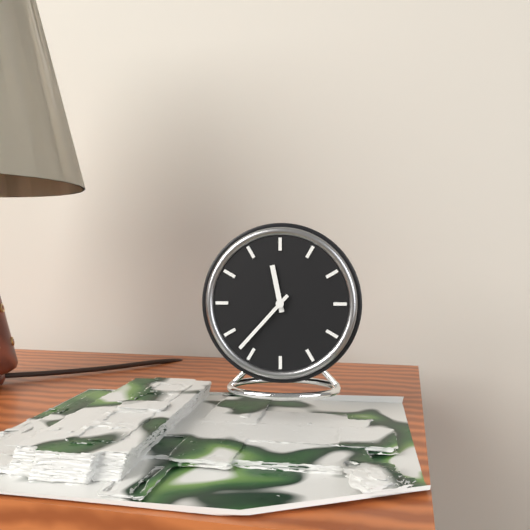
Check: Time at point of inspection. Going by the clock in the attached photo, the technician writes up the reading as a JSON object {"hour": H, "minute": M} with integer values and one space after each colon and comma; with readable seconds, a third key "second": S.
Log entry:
{"hour": 11, "minute": 37}
